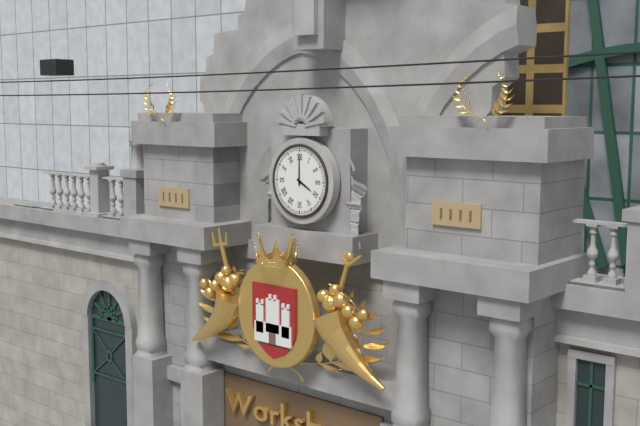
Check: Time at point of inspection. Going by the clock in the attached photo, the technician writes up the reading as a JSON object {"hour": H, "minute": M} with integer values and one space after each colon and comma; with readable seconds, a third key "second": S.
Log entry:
{"hour": 4, "minute": 0}
